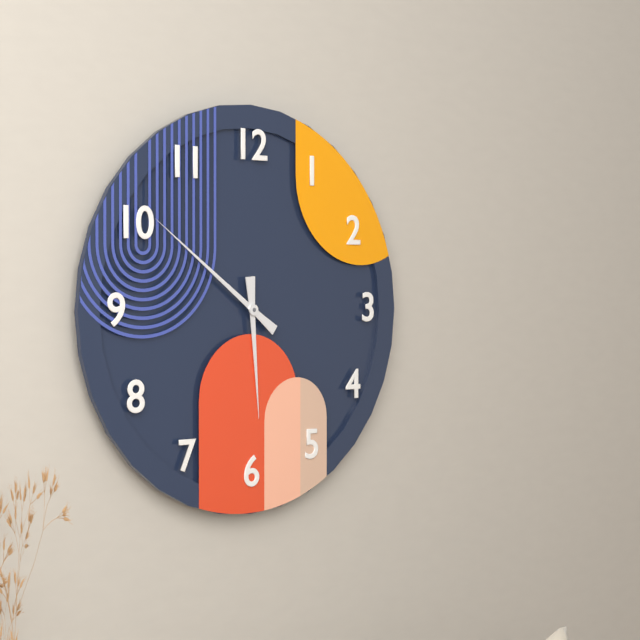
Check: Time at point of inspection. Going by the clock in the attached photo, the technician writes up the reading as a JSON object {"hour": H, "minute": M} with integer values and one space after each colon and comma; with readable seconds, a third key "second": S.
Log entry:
{"hour": 5, "minute": 51}
